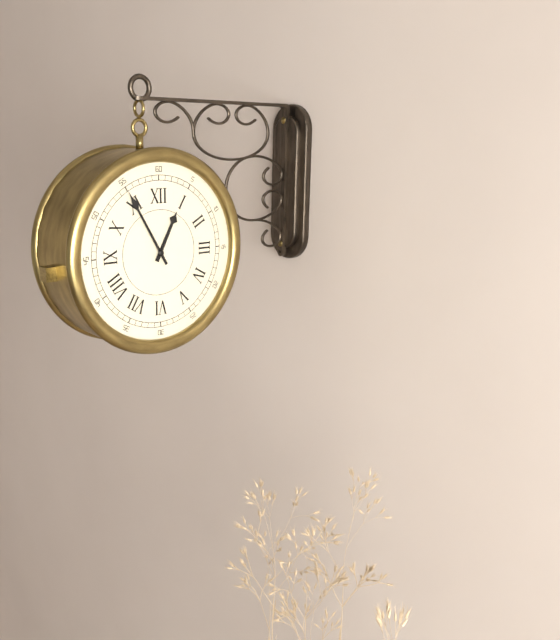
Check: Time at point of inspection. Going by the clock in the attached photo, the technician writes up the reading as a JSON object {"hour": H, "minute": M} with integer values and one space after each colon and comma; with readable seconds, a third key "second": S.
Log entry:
{"hour": 12, "minute": 55}
